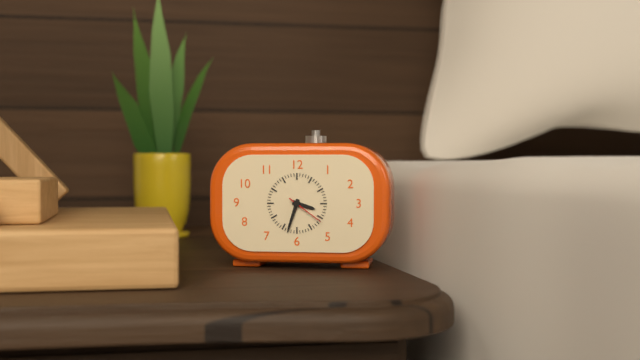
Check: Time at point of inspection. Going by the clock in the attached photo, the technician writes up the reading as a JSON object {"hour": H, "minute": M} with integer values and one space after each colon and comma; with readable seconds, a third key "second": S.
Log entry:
{"hour": 3, "minute": 33}
